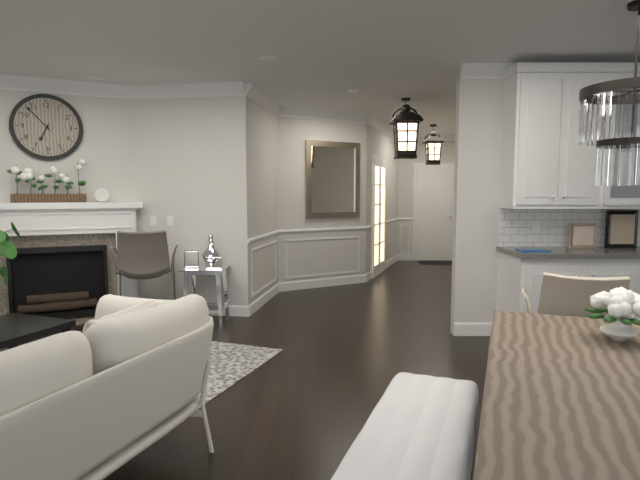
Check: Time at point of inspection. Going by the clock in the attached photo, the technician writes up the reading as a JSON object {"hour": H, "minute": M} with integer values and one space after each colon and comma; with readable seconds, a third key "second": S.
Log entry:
{"hour": 6, "minute": 53}
